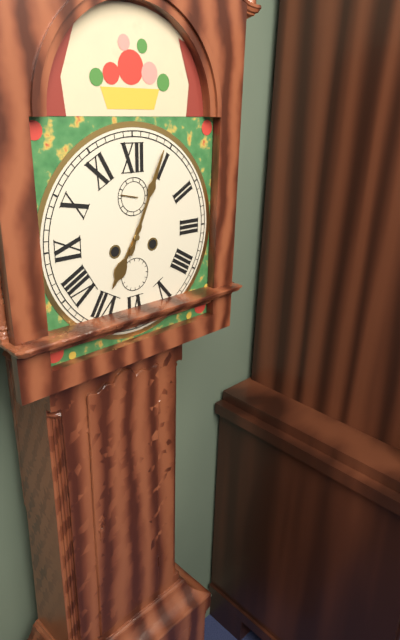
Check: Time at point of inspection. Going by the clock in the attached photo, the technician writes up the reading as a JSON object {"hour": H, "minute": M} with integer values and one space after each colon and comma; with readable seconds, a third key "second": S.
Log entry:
{"hour": 7, "minute": 4}
